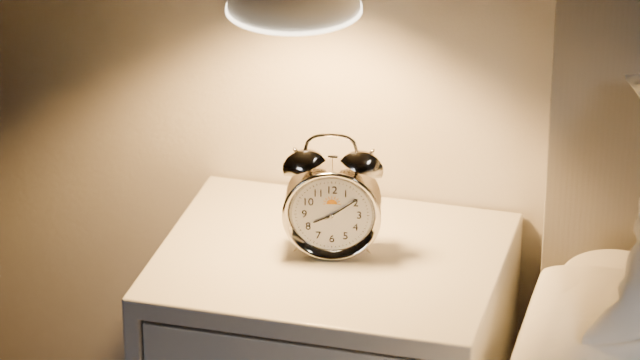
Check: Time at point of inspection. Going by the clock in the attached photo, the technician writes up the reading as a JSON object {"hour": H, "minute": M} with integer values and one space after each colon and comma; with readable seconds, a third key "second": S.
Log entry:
{"hour": 8, "minute": 9}
